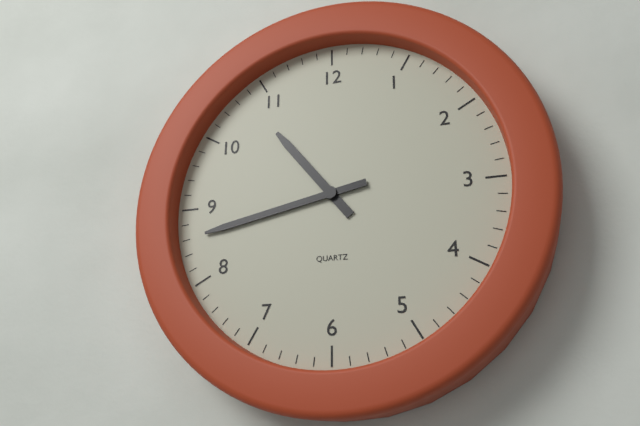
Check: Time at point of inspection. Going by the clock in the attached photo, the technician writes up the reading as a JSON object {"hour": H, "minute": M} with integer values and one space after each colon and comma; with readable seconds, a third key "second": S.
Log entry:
{"hour": 10, "minute": 43}
